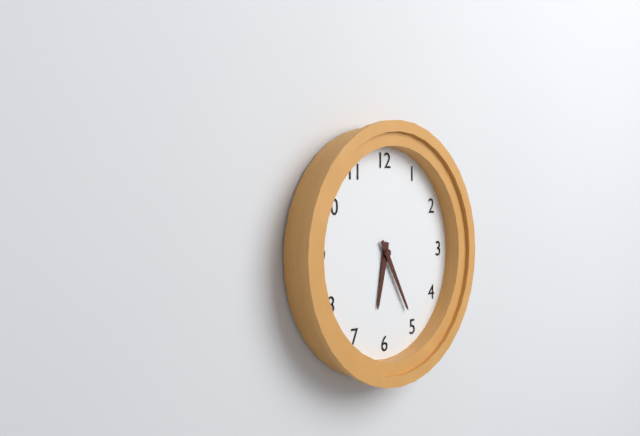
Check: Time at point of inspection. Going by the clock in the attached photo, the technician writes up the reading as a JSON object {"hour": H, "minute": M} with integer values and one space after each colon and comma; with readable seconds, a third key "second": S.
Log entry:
{"hour": 6, "minute": 25}
